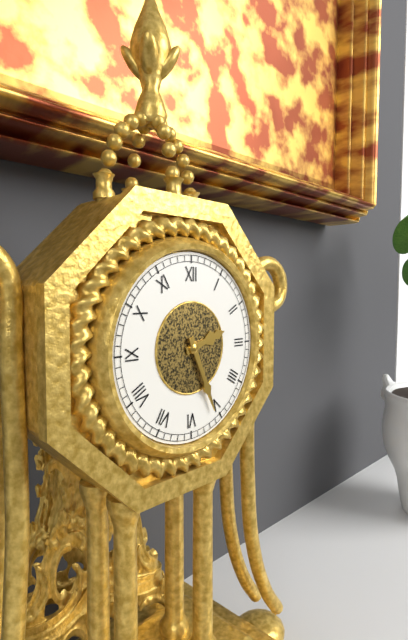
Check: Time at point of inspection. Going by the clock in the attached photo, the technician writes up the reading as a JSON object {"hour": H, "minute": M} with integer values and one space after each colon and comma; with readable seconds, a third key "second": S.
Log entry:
{"hour": 2, "minute": 26}
